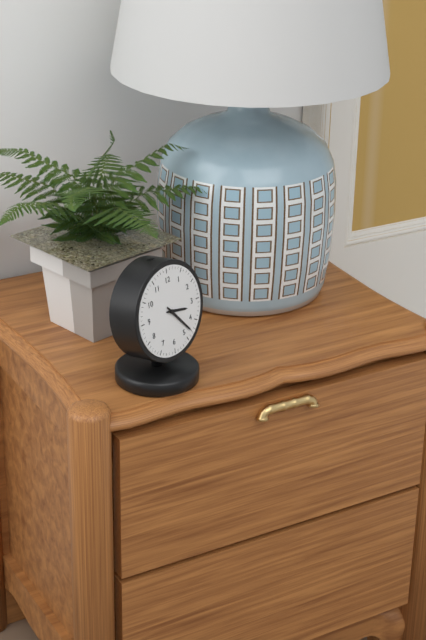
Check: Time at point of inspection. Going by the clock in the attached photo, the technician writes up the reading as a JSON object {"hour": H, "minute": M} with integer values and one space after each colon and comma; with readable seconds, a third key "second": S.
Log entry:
{"hour": 3, "minute": 23}
